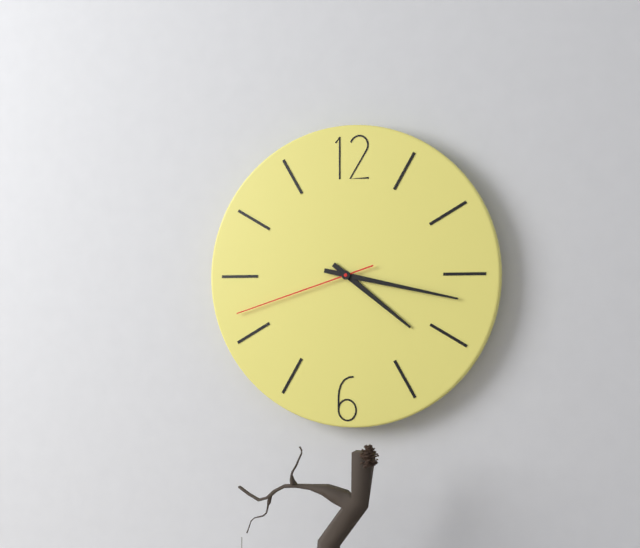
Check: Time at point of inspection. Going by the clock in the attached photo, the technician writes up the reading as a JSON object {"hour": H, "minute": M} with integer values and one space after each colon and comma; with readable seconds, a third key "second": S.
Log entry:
{"hour": 4, "minute": 17, "second": 42}
